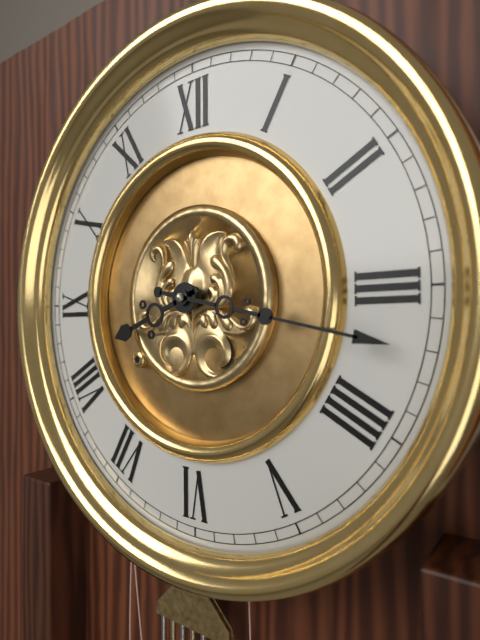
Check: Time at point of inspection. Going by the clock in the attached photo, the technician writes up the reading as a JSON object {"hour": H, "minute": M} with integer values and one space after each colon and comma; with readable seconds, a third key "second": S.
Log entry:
{"hour": 8, "minute": 17}
